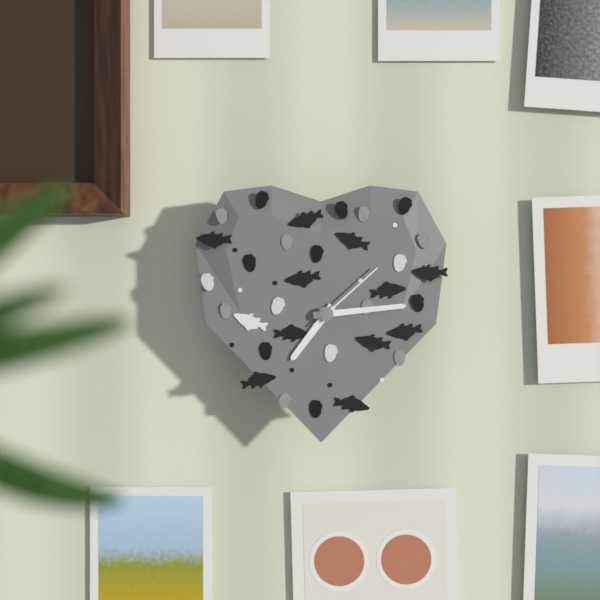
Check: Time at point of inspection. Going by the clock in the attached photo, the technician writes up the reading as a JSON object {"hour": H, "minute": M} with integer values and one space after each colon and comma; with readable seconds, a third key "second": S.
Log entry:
{"hour": 7, "minute": 14, "second": 8}
